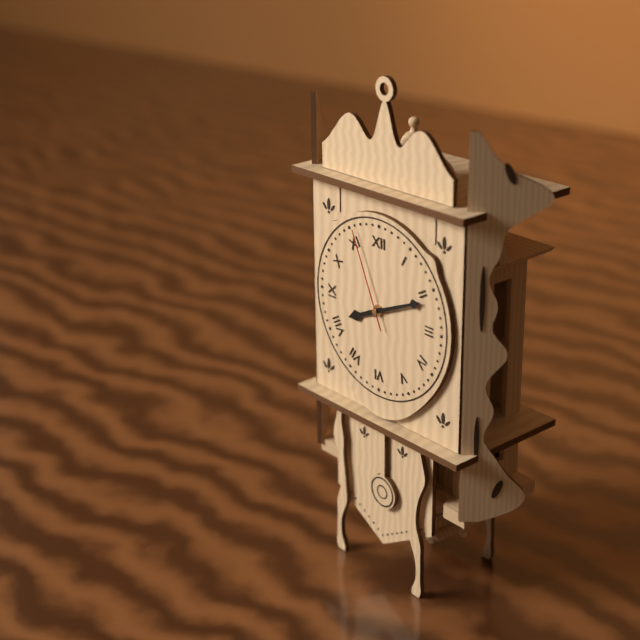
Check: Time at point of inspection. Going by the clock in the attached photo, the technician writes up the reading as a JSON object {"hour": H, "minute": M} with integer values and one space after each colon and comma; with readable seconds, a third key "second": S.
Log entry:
{"hour": 8, "minute": 11, "second": 56}
